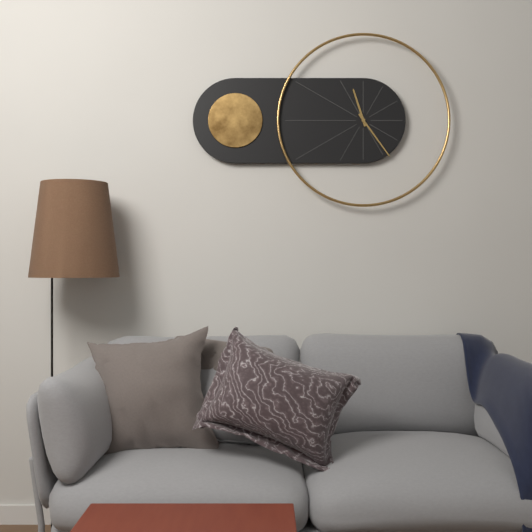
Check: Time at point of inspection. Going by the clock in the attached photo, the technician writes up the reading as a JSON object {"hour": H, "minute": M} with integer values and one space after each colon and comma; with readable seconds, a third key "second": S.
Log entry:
{"hour": 11, "minute": 24}
